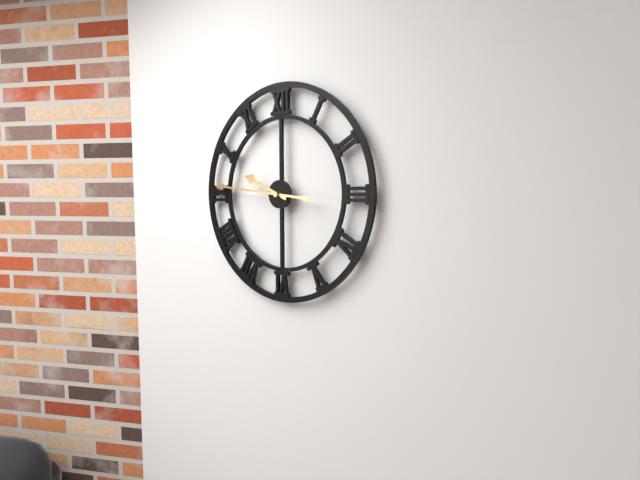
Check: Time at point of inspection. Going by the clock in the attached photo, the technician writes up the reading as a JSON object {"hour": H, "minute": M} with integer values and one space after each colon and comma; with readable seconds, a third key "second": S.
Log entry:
{"hour": 9, "minute": 46}
